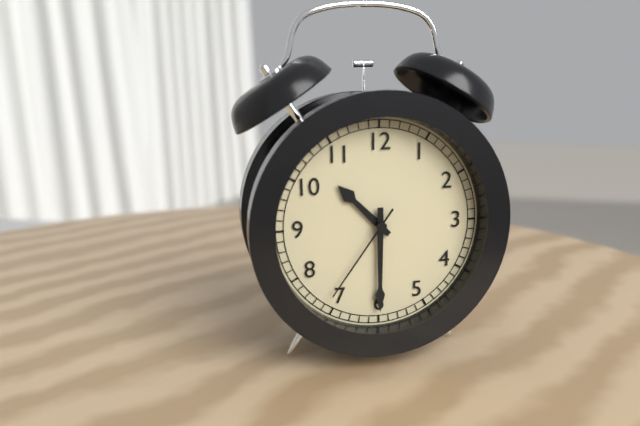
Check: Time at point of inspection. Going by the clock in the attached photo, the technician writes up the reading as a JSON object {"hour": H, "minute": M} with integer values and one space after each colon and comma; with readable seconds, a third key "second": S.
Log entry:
{"hour": 10, "minute": 30, "second": 36}
